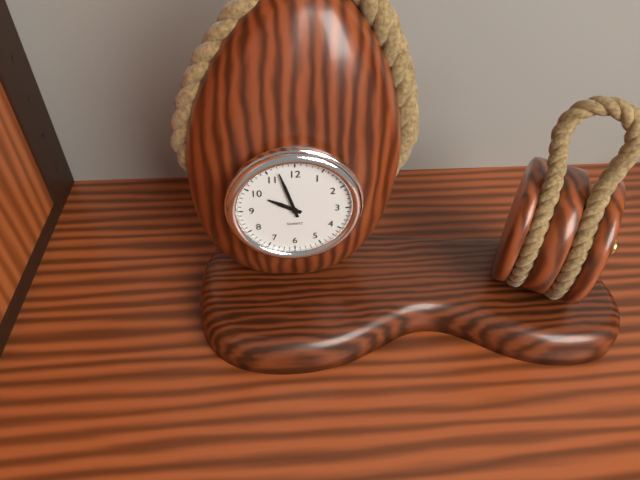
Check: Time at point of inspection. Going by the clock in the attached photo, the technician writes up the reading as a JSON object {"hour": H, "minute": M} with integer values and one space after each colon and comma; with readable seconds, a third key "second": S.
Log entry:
{"hour": 9, "minute": 57}
